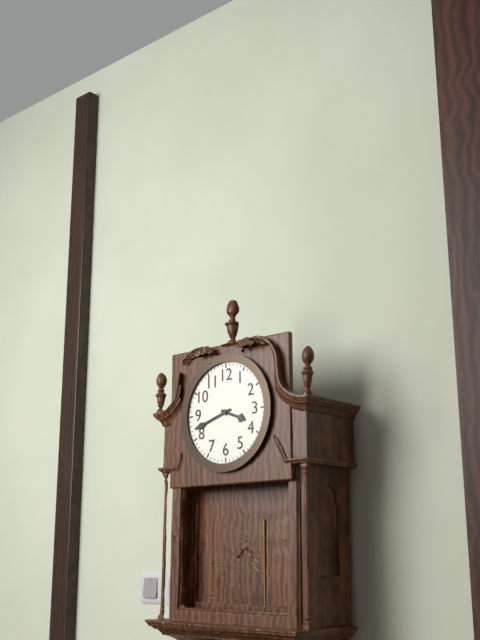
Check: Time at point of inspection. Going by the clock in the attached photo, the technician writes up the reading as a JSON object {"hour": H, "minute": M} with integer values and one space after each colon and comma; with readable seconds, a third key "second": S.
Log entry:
{"hour": 3, "minute": 42}
